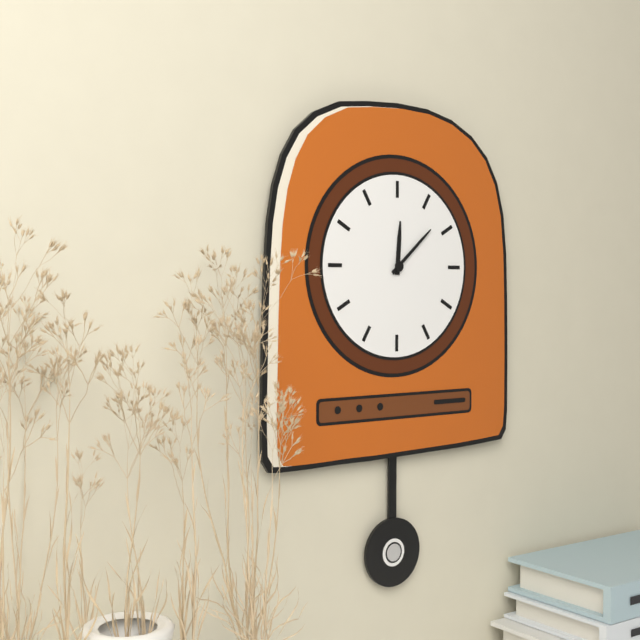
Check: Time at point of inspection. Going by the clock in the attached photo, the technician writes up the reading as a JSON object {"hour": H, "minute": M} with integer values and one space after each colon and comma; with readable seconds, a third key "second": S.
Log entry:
{"hour": 12, "minute": 8}
